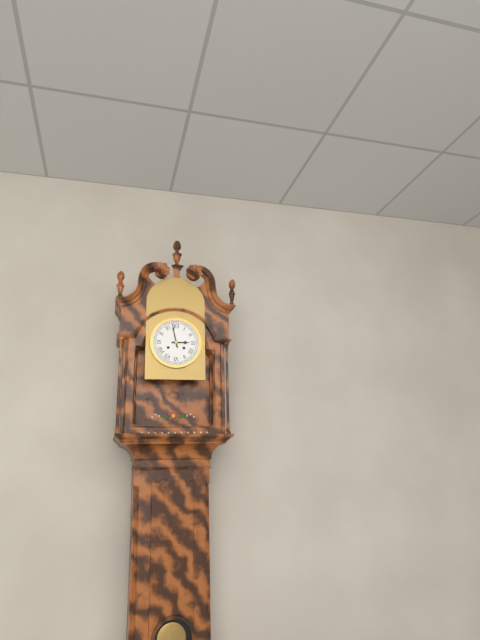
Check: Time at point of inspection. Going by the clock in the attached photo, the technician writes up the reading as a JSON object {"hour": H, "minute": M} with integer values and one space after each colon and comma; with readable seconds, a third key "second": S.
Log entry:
{"hour": 2, "minute": 58}
